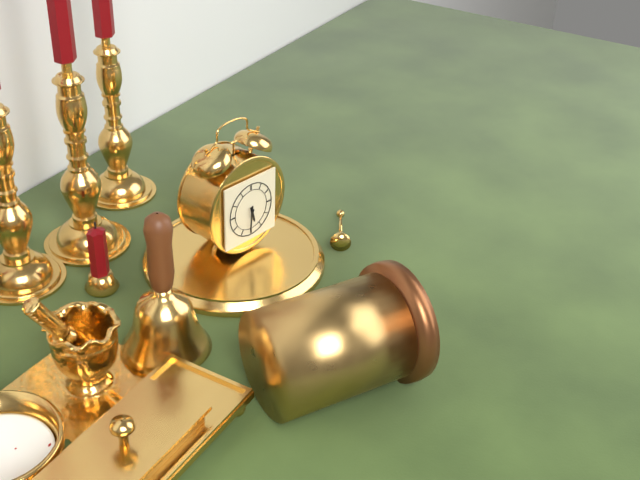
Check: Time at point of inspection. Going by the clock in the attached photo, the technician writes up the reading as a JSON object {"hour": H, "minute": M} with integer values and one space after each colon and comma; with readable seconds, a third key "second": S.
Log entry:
{"hour": 5, "minute": 31}
